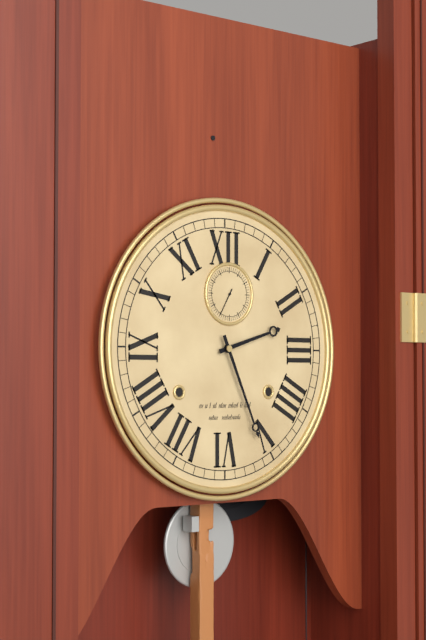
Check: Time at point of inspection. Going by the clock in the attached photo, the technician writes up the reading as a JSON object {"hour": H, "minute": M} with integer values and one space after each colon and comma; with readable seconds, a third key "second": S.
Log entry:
{"hour": 2, "minute": 26}
